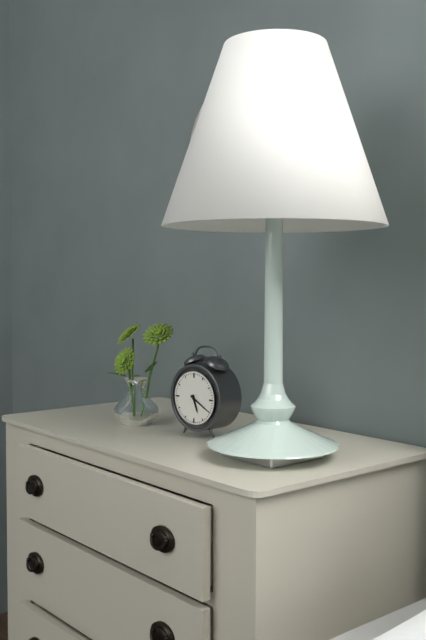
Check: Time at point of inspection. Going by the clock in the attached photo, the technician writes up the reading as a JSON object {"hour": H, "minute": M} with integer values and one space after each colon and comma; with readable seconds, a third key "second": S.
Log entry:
{"hour": 5, "minute": 20}
